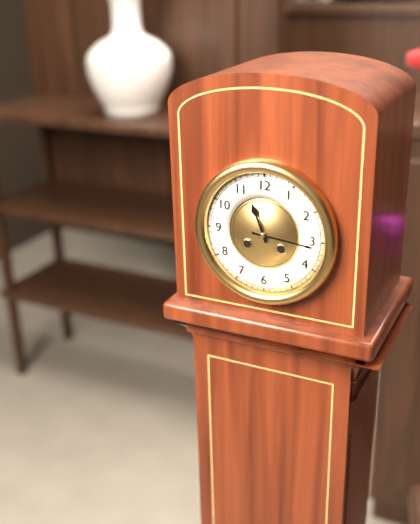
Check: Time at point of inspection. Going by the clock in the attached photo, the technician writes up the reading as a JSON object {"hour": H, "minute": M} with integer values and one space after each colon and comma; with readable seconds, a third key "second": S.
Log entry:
{"hour": 11, "minute": 16}
